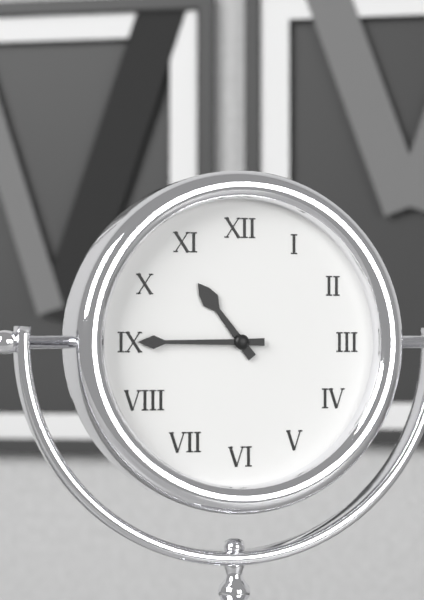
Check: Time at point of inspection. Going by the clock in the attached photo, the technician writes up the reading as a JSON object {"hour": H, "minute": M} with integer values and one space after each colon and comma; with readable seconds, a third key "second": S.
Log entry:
{"hour": 10, "minute": 45}
